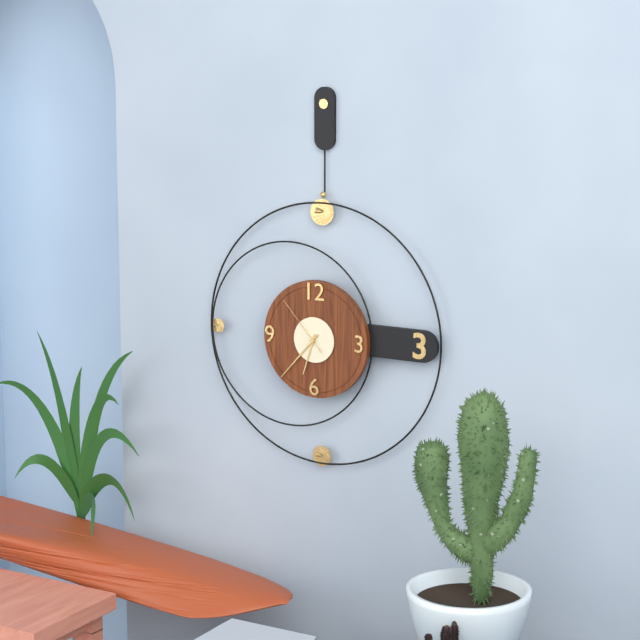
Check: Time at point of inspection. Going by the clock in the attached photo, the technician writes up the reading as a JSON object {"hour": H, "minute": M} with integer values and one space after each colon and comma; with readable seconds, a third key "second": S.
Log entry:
{"hour": 6, "minute": 37, "second": 53}
